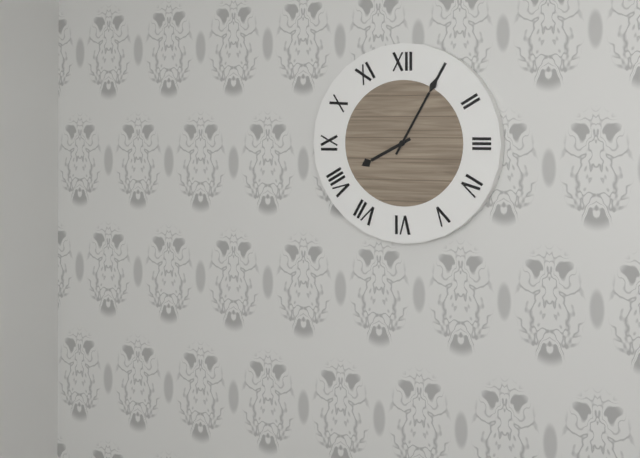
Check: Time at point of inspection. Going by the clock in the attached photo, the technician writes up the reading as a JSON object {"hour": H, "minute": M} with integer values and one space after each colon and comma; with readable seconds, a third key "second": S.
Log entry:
{"hour": 8, "minute": 5}
